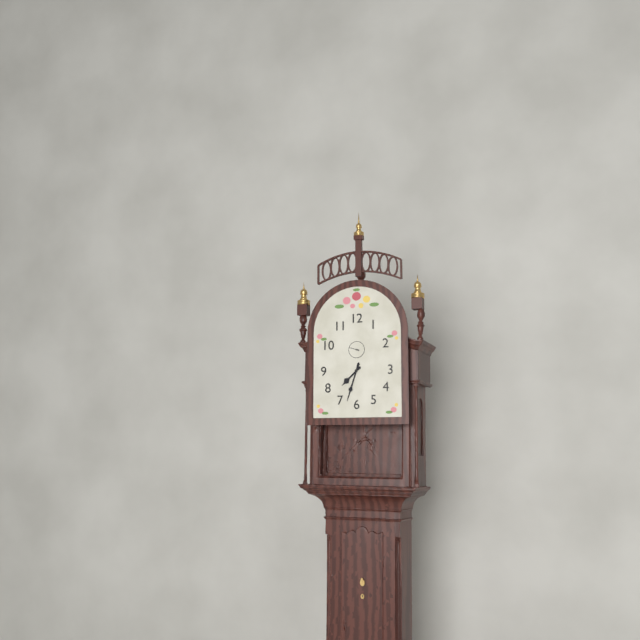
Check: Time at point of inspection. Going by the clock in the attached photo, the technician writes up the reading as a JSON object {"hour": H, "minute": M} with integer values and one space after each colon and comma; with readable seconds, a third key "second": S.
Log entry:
{"hour": 7, "minute": 33}
